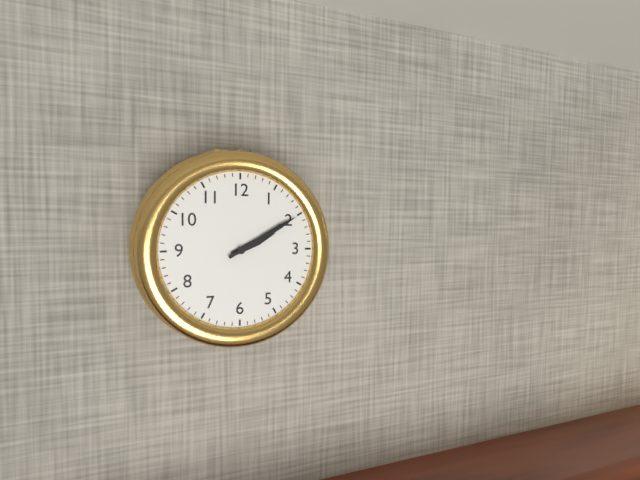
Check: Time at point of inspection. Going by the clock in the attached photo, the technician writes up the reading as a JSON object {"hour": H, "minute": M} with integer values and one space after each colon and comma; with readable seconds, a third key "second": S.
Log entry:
{"hour": 2, "minute": 10}
